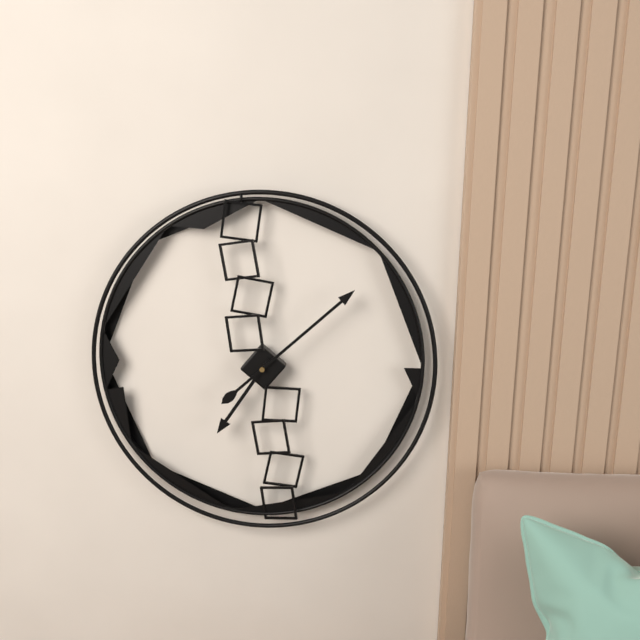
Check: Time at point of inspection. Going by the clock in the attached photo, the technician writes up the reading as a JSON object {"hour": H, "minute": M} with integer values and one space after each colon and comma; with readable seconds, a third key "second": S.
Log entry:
{"hour": 7, "minute": 8}
